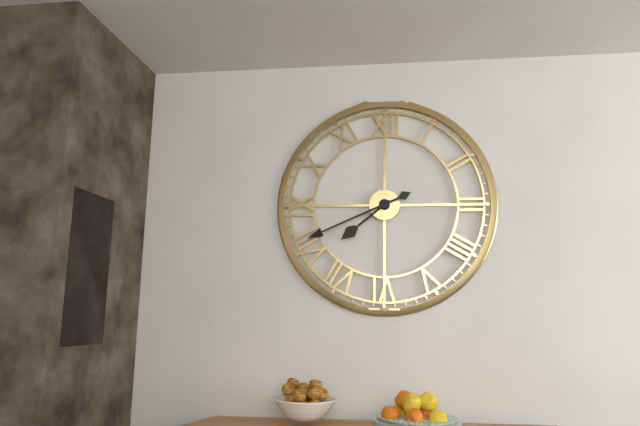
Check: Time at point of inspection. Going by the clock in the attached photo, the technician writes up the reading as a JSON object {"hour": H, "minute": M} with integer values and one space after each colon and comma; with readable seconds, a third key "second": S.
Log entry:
{"hour": 7, "minute": 41}
